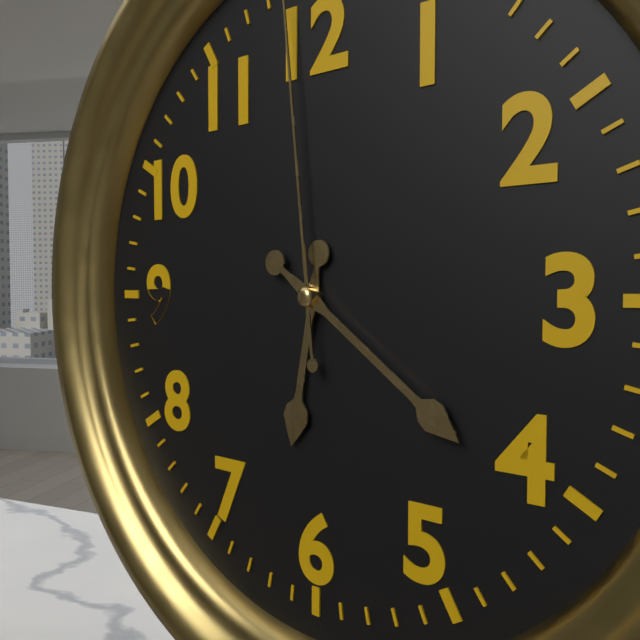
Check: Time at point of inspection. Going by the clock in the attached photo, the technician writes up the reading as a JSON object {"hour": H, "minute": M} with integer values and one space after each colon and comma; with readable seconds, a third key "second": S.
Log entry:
{"hour": 6, "minute": 21}
